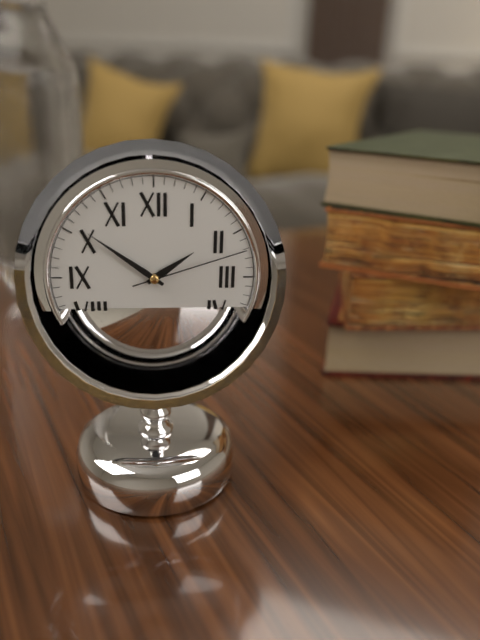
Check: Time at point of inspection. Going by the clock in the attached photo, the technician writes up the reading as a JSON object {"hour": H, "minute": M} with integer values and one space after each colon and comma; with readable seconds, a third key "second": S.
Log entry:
{"hour": 1, "minute": 51, "second": 12}
